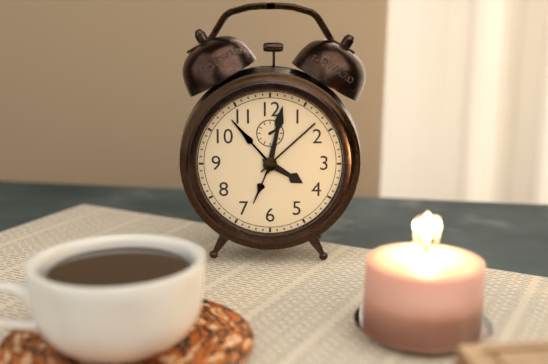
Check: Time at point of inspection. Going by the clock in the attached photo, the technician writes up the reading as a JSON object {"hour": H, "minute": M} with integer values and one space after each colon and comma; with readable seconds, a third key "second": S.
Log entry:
{"hour": 4, "minute": 2}
